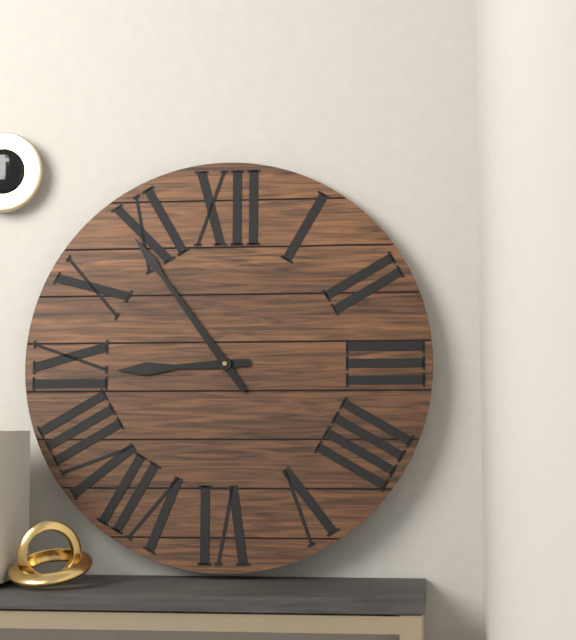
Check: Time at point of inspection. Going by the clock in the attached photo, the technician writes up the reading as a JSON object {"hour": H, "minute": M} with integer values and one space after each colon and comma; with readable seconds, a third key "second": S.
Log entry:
{"hour": 8, "minute": 54}
